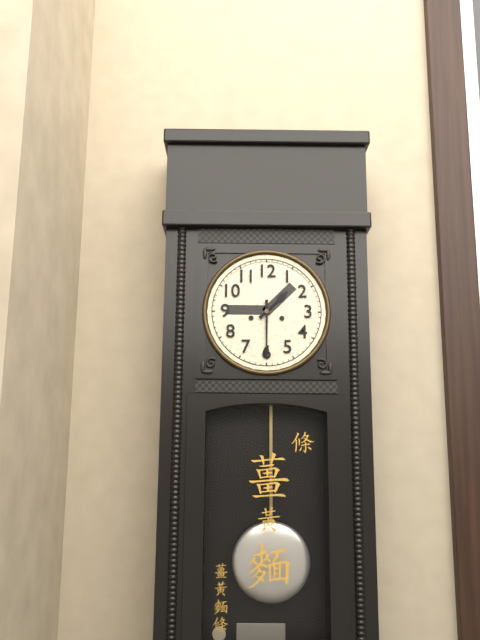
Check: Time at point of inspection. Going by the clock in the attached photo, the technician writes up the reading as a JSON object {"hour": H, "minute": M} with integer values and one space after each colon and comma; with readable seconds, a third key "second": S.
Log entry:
{"hour": 1, "minute": 30}
